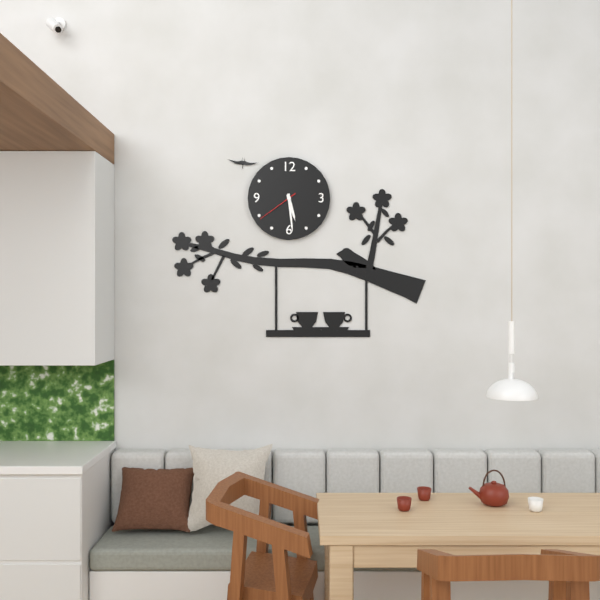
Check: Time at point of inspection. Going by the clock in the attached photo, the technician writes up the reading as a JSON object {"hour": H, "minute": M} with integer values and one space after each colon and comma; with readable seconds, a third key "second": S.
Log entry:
{"hour": 5, "minute": 29}
